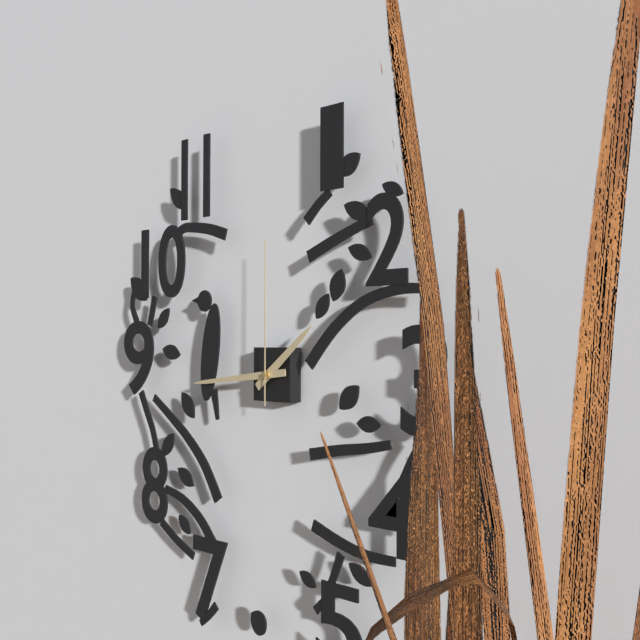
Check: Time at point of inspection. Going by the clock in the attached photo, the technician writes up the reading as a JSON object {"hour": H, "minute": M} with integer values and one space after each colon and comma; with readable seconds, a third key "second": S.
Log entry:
{"hour": 1, "minute": 44, "second": 0}
